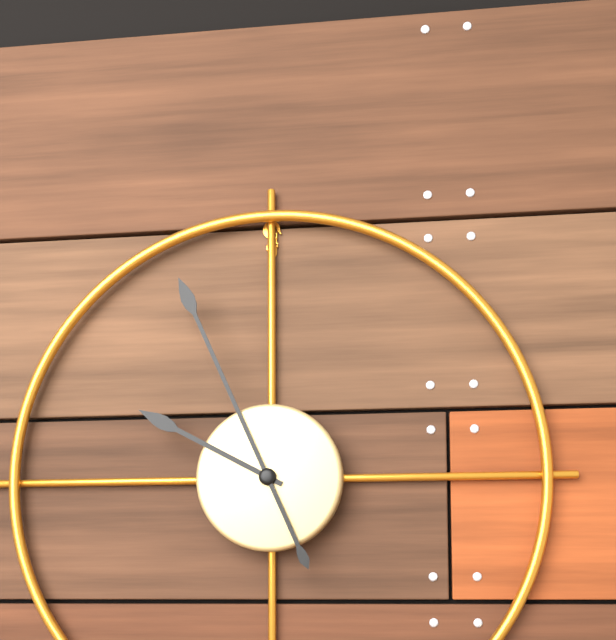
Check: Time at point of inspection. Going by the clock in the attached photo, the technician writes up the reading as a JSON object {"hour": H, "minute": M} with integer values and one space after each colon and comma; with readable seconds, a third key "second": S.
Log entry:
{"hour": 9, "minute": 56}
